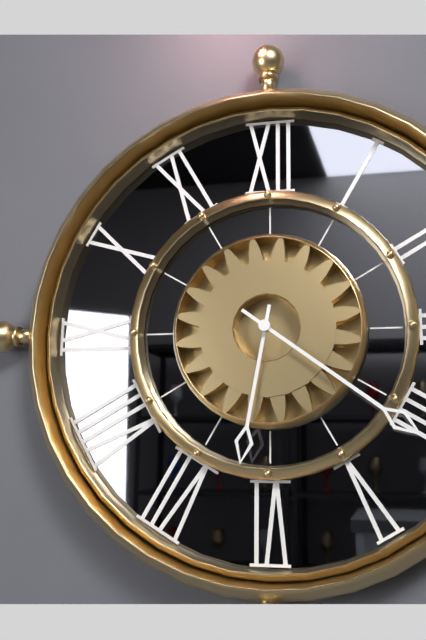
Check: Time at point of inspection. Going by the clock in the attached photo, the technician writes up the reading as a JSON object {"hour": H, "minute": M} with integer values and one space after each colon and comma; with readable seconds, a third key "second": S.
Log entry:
{"hour": 6, "minute": 21}
